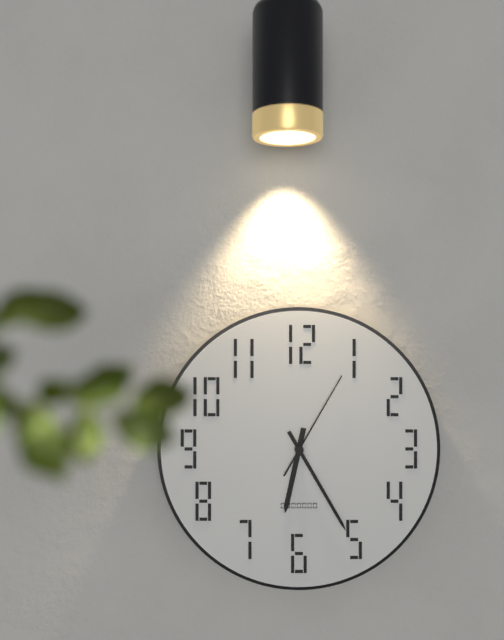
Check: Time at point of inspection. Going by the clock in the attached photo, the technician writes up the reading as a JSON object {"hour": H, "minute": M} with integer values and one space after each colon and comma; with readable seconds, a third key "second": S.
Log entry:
{"hour": 6, "minute": 25, "second": 5}
